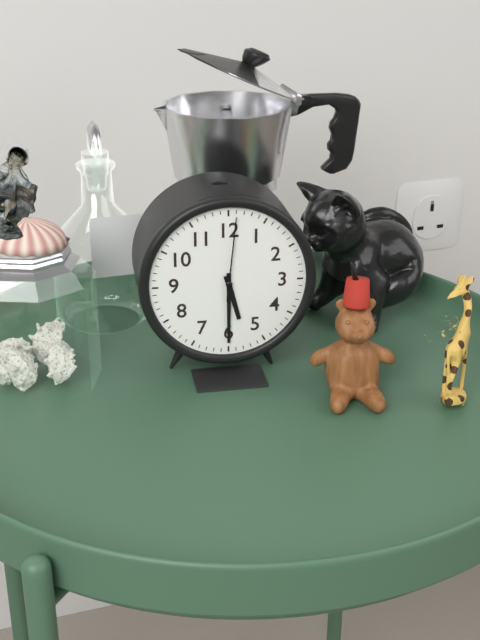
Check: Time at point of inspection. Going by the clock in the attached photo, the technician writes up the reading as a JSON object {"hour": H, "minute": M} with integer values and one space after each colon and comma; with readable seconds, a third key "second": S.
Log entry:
{"hour": 5, "minute": 30, "second": 1}
